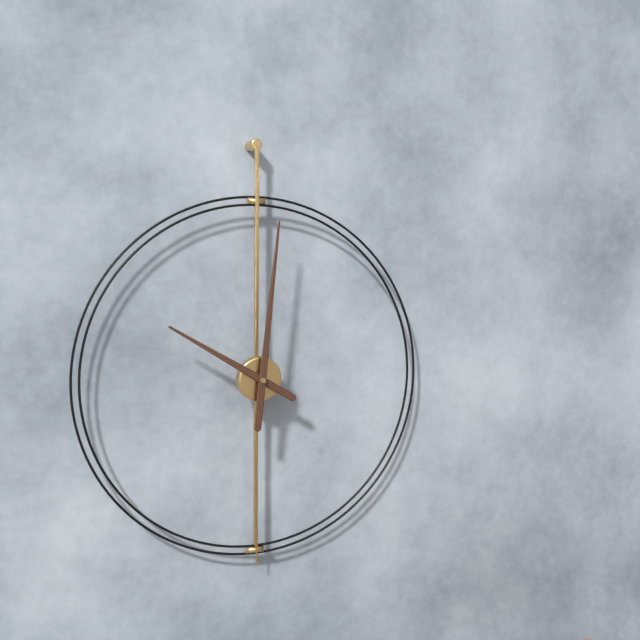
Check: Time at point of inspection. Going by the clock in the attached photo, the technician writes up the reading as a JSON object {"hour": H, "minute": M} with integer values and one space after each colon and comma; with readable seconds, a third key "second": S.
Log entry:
{"hour": 10, "minute": 1}
